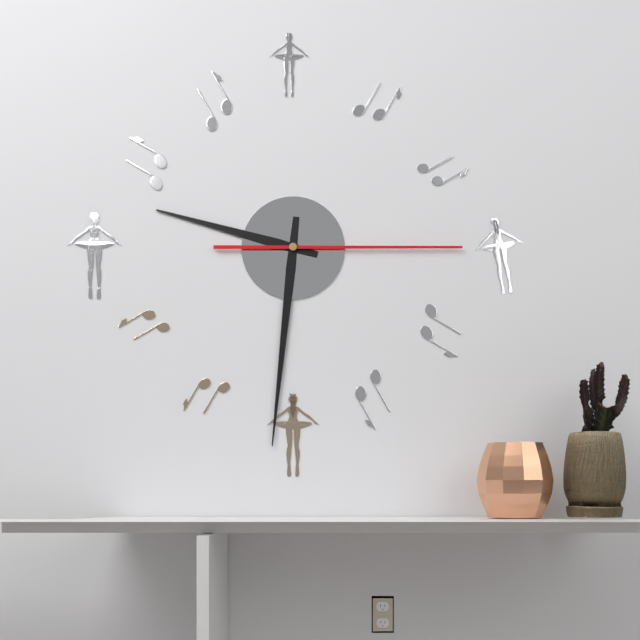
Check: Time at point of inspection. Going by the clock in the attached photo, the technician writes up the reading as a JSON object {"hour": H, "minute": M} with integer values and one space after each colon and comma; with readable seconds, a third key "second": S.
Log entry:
{"hour": 9, "minute": 31, "second": 15}
